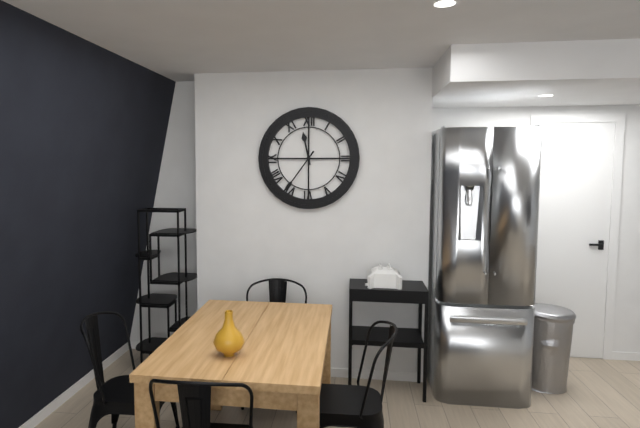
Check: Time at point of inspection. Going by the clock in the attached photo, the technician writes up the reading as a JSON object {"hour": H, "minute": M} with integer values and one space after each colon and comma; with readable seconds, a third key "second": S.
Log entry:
{"hour": 11, "minute": 36}
